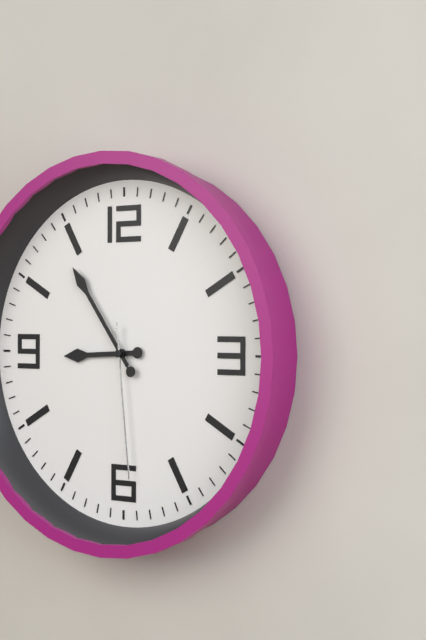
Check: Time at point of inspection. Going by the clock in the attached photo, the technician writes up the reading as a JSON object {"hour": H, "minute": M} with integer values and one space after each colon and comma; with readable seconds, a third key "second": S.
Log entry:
{"hour": 8, "minute": 54, "second": 29}
